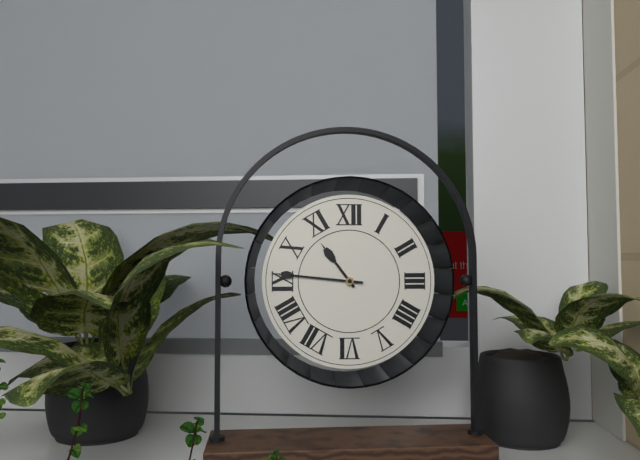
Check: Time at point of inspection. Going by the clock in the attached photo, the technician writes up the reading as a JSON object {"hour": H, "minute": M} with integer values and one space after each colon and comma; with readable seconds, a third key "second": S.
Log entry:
{"hour": 10, "minute": 46}
